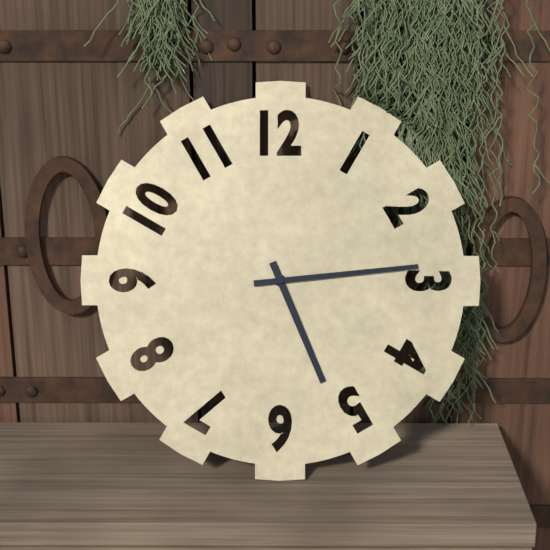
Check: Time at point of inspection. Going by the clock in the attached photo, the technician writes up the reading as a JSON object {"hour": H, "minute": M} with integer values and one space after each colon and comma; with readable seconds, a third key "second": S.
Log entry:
{"hour": 5, "minute": 14}
